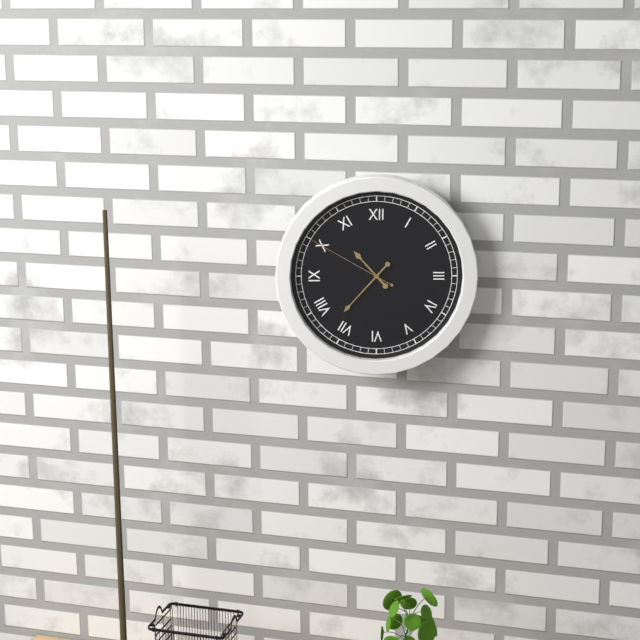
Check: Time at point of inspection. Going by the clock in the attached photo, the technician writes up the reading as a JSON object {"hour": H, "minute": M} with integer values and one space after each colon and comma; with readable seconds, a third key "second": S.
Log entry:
{"hour": 10, "minute": 37, "second": 50}
